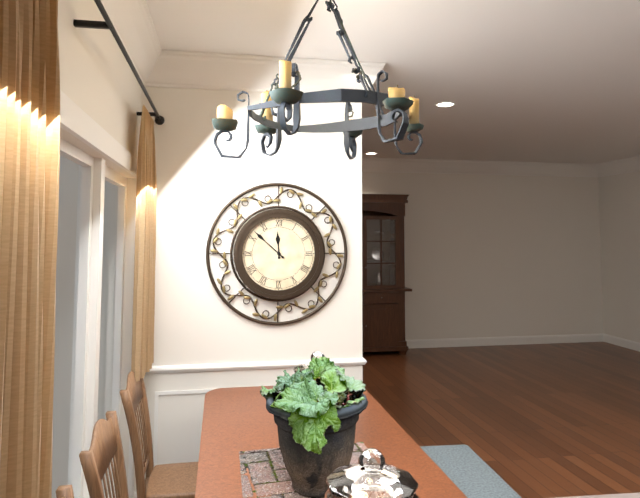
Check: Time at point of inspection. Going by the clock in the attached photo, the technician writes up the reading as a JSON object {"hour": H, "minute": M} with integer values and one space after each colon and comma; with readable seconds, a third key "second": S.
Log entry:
{"hour": 11, "minute": 52}
